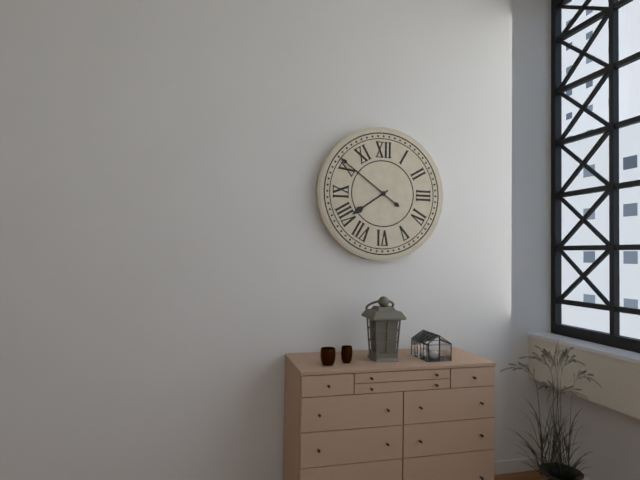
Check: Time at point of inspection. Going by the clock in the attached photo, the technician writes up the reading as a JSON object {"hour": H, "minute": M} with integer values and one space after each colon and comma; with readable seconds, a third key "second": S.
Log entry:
{"hour": 7, "minute": 51}
